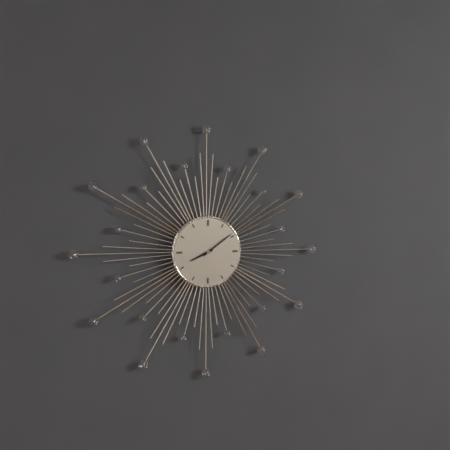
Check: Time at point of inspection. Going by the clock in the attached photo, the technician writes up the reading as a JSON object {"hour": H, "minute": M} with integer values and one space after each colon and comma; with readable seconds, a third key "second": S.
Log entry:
{"hour": 8, "minute": 9}
